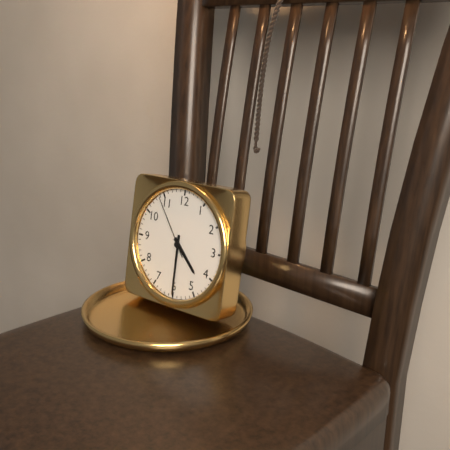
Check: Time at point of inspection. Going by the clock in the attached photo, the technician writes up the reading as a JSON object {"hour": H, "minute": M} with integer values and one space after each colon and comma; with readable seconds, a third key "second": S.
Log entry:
{"hour": 4, "minute": 30, "second": 54}
